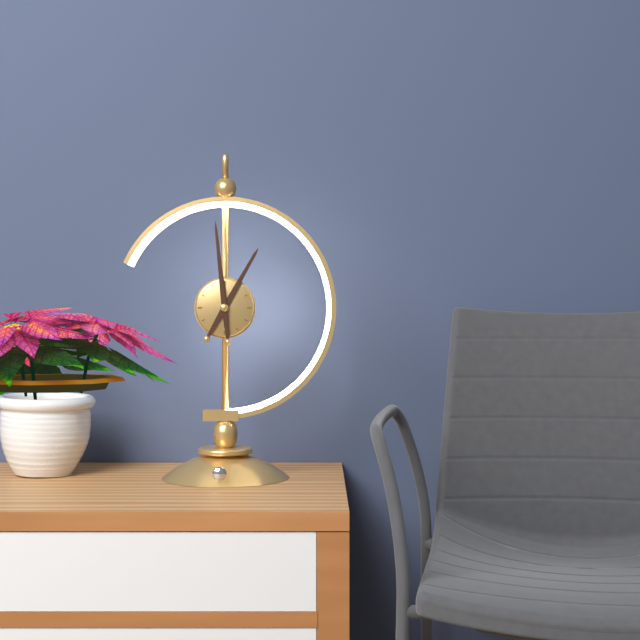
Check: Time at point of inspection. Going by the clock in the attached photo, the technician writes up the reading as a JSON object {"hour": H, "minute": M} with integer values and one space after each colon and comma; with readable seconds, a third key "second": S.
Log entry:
{"hour": 12, "minute": 59}
